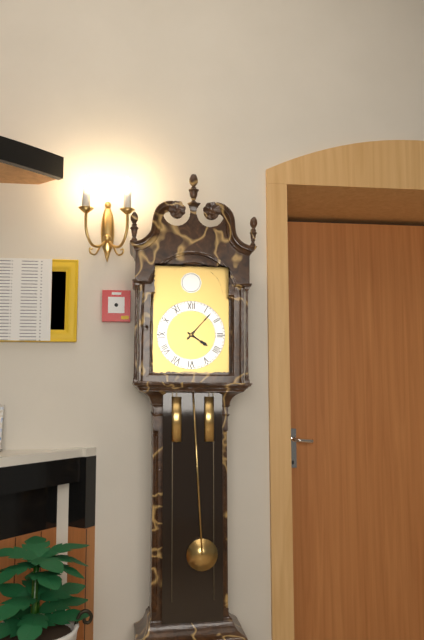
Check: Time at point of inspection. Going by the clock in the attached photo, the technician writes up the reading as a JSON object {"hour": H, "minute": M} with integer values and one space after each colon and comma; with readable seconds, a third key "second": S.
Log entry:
{"hour": 4, "minute": 7}
